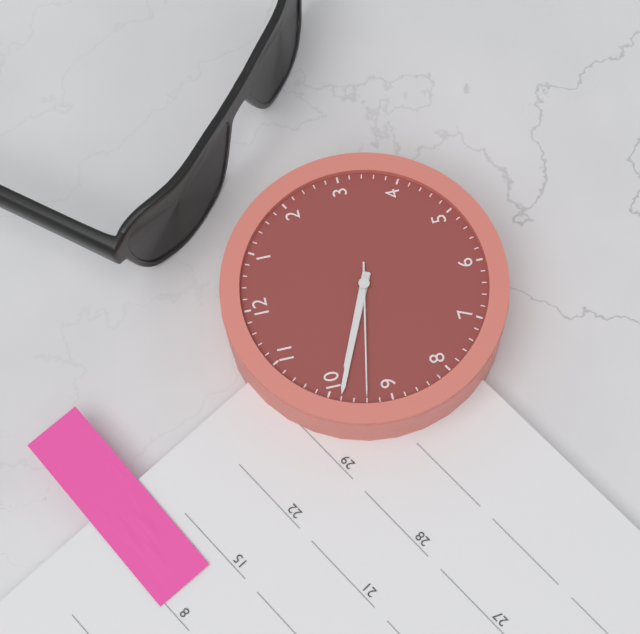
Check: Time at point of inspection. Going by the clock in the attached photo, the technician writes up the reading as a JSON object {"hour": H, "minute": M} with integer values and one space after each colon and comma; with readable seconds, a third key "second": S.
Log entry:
{"hour": 9, "minute": 49, "second": 47}
